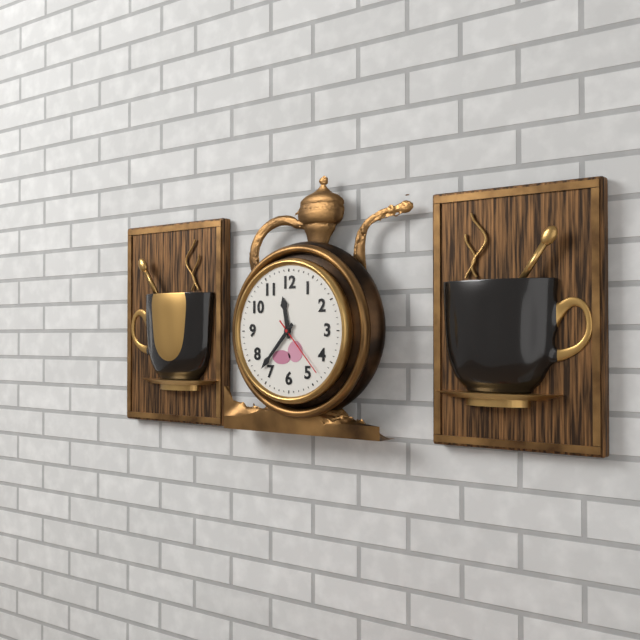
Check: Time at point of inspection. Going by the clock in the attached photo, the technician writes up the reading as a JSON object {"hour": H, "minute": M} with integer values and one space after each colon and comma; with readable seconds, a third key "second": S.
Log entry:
{"hour": 11, "minute": 37, "second": 23}
